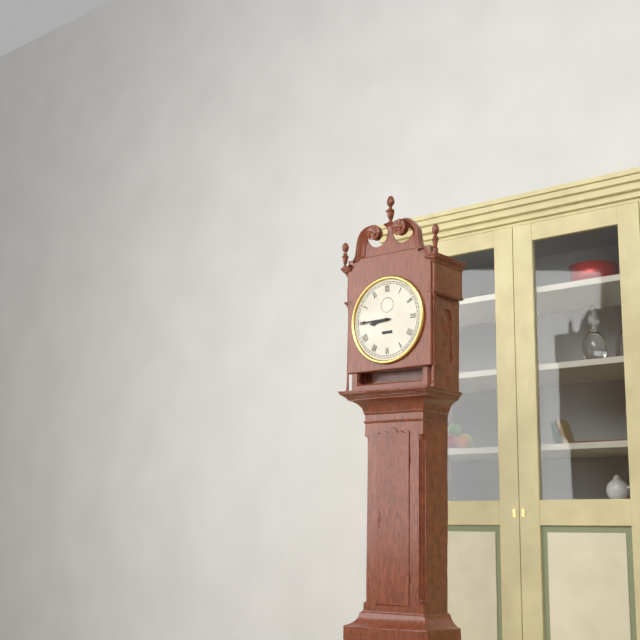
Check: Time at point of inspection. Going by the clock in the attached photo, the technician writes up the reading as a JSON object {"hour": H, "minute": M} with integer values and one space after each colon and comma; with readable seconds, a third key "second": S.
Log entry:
{"hour": 8, "minute": 45}
